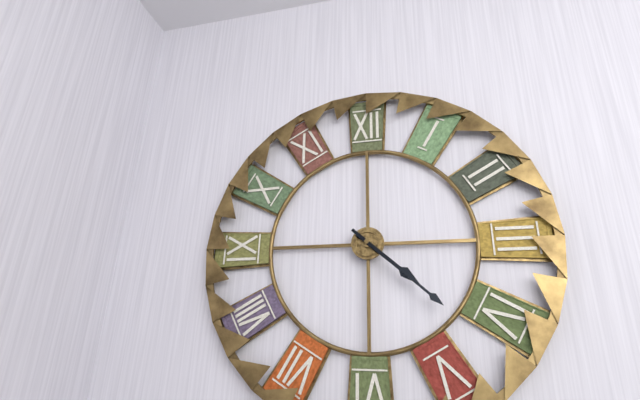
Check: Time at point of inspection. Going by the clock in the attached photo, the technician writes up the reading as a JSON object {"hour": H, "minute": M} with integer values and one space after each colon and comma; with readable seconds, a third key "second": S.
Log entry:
{"hour": 4, "minute": 22}
